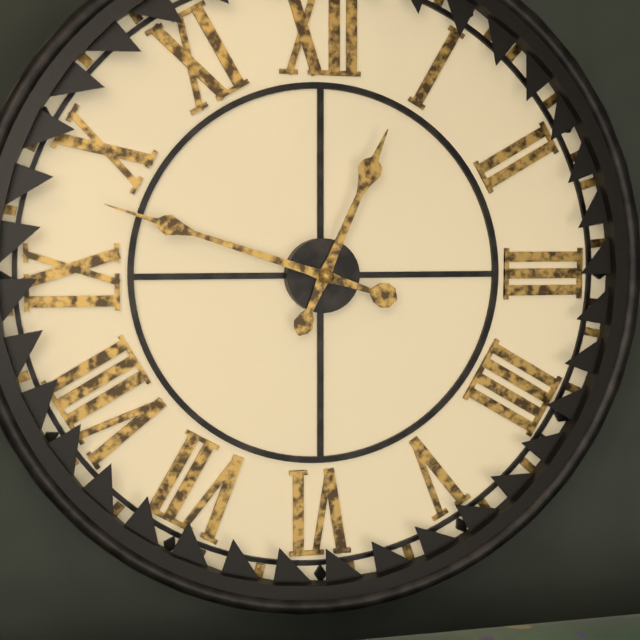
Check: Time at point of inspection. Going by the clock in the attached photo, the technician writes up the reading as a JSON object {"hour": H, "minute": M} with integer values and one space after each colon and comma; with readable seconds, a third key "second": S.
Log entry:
{"hour": 12, "minute": 48}
